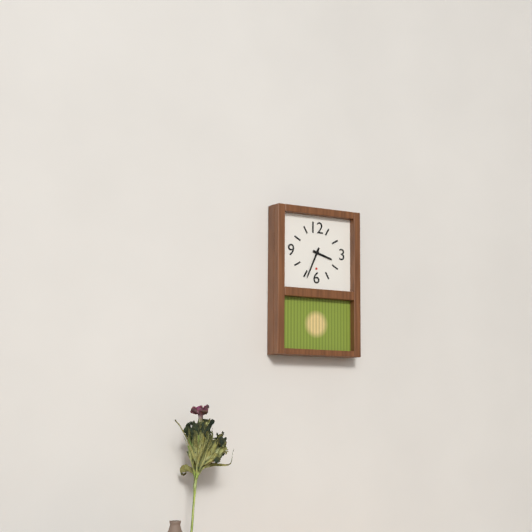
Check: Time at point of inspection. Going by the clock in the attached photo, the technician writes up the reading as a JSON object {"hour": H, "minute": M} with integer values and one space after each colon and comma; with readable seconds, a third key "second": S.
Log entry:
{"hour": 3, "minute": 34}
